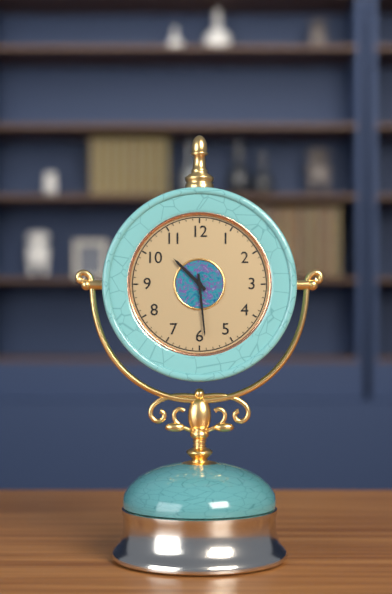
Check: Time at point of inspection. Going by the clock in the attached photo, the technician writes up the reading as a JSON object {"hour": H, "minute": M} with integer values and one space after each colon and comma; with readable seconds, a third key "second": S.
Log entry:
{"hour": 10, "minute": 29}
